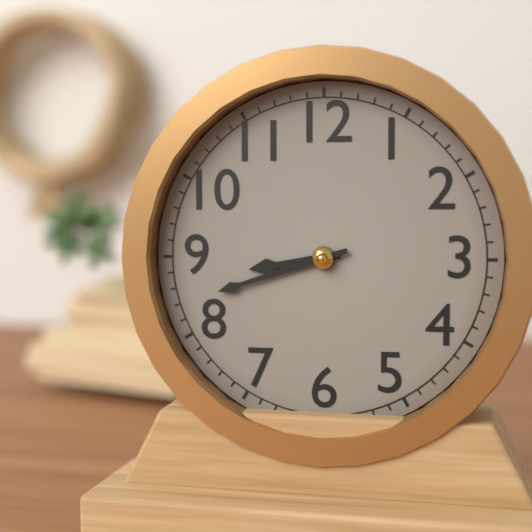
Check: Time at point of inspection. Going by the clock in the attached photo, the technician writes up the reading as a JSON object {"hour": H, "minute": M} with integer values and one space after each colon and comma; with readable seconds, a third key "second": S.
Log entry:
{"hour": 8, "minute": 42}
